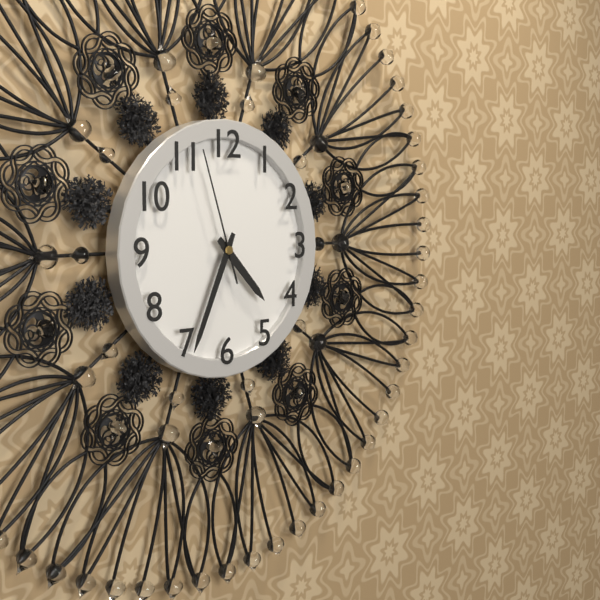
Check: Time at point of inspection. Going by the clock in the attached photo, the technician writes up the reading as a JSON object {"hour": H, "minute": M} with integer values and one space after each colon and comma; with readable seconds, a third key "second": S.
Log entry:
{"hour": 4, "minute": 34, "second": 57}
